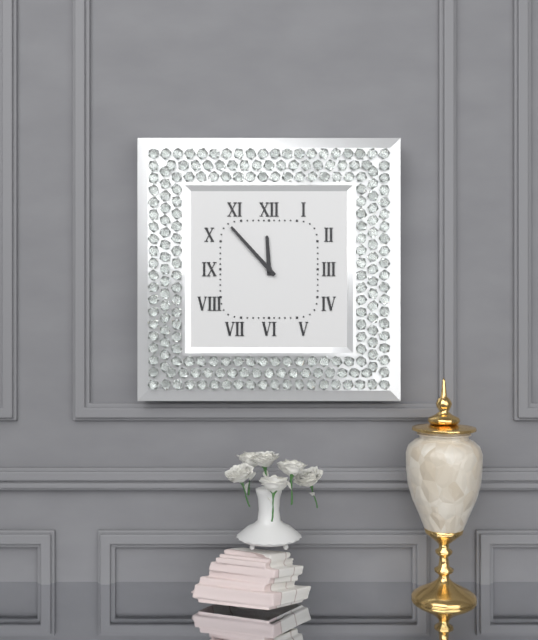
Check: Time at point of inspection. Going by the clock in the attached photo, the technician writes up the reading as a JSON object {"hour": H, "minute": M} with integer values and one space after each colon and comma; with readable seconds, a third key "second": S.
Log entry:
{"hour": 11, "minute": 53}
